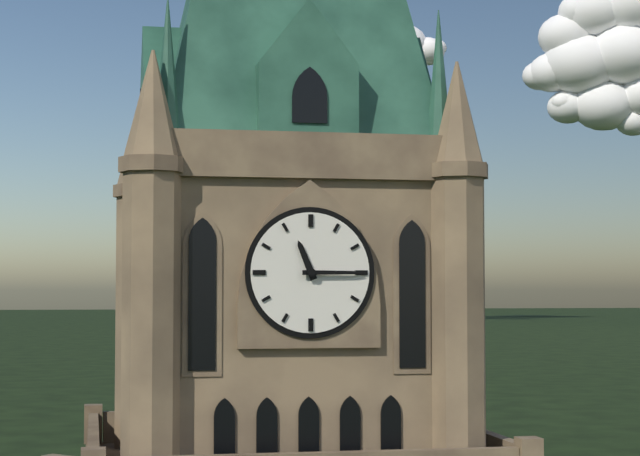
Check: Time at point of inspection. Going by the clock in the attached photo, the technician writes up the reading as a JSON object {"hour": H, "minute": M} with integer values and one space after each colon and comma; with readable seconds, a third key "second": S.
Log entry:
{"hour": 11, "minute": 15}
